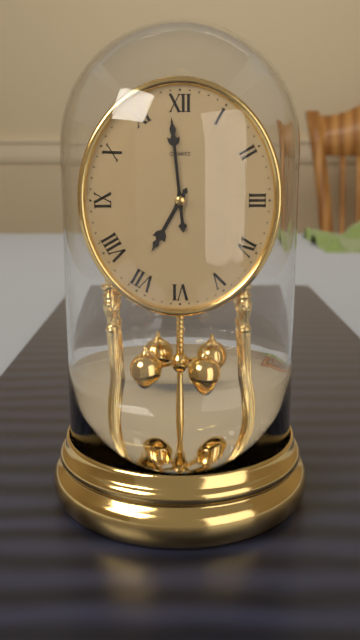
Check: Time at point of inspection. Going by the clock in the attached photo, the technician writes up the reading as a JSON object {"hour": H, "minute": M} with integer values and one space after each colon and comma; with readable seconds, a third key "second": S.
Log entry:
{"hour": 6, "minute": 59}
